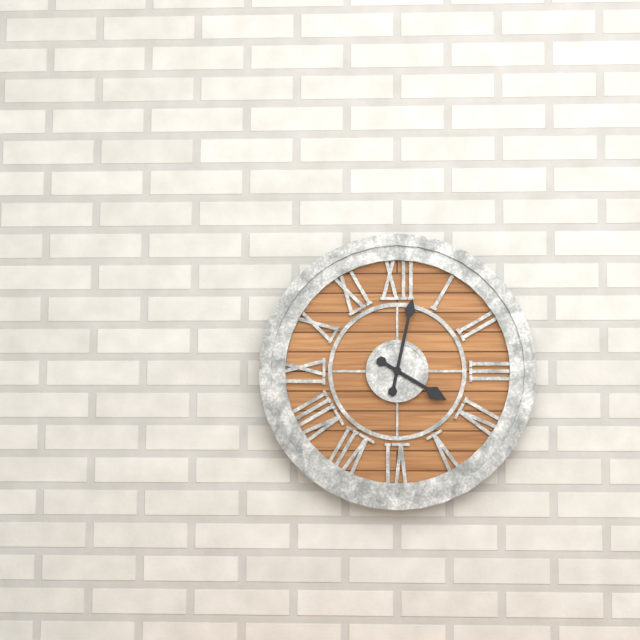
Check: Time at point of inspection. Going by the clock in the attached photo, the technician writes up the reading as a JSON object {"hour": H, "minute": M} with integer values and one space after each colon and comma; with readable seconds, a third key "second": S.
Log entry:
{"hour": 4, "minute": 2}
